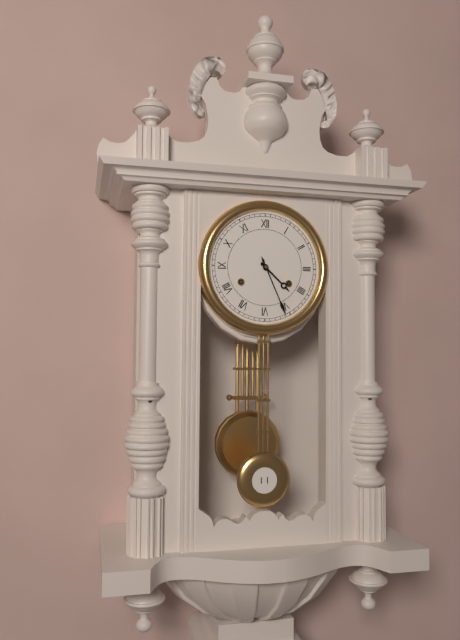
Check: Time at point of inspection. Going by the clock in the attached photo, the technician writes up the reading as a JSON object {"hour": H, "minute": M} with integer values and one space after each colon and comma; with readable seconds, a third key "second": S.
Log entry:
{"hour": 4, "minute": 26}
